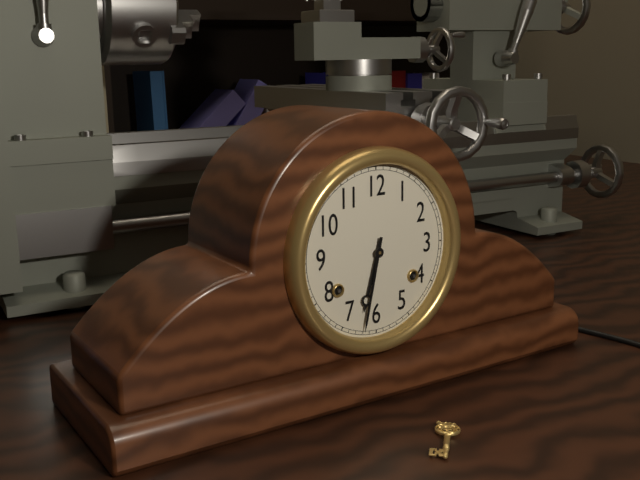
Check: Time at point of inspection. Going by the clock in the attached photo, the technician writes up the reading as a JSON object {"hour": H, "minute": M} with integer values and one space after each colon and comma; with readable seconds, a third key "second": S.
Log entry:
{"hour": 6, "minute": 32}
